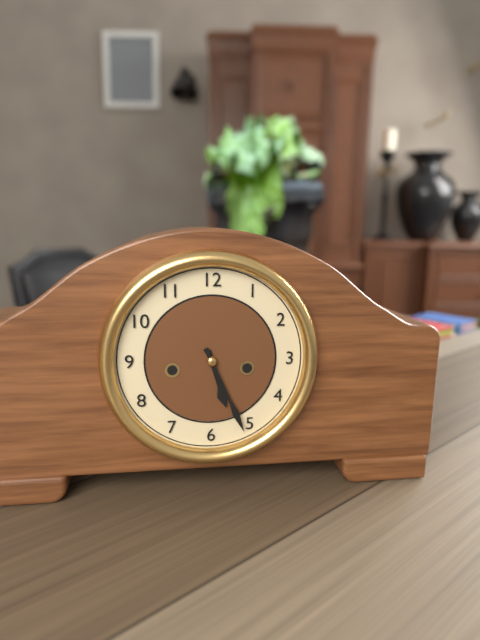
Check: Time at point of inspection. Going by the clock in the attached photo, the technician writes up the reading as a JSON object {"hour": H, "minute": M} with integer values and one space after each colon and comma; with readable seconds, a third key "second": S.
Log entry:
{"hour": 5, "minute": 26}
